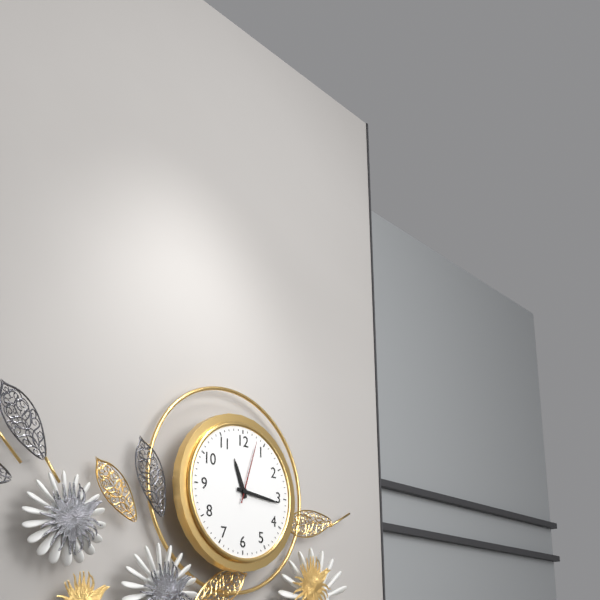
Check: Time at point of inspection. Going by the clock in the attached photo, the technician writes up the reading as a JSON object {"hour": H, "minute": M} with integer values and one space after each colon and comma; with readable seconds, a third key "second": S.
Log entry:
{"hour": 11, "minute": 16, "second": 3}
